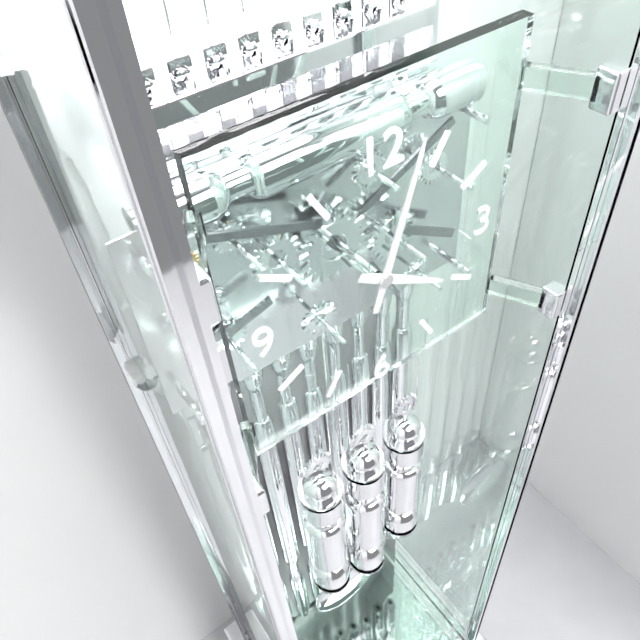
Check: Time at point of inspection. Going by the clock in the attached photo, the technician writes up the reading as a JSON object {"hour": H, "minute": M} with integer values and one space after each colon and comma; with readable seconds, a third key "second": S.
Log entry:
{"hour": 4, "minute": 3}
